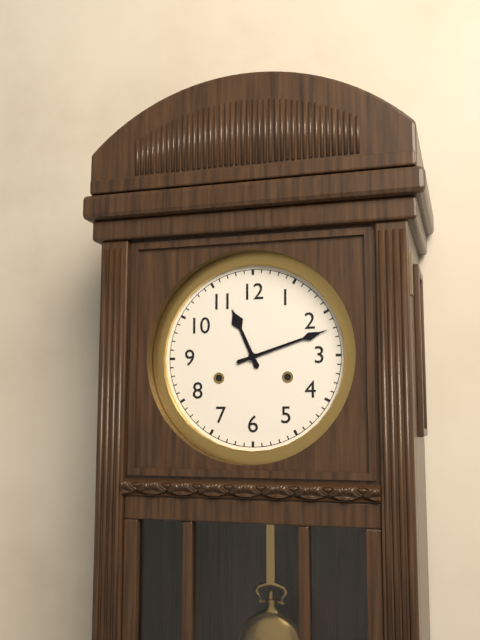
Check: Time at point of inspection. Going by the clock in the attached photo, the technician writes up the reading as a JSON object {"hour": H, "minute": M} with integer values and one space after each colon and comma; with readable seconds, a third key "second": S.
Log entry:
{"hour": 11, "minute": 12}
